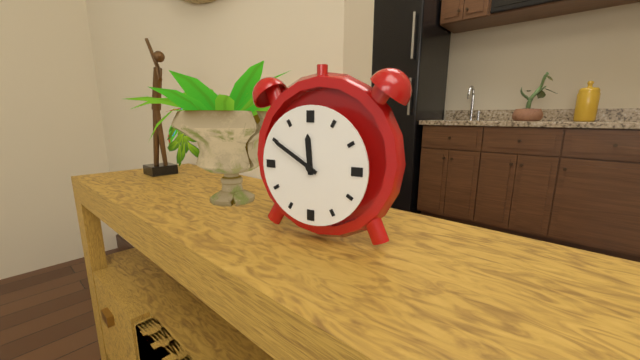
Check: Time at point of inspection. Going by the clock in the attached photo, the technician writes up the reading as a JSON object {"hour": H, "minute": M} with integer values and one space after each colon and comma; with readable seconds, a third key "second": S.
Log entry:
{"hour": 11, "minute": 50}
